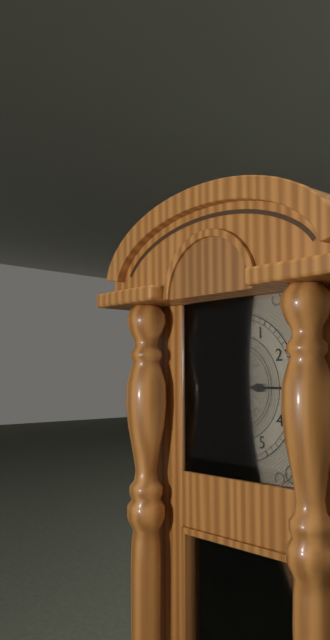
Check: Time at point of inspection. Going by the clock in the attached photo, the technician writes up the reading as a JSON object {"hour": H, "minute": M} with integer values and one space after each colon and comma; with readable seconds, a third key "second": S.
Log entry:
{"hour": 8, "minute": 15}
